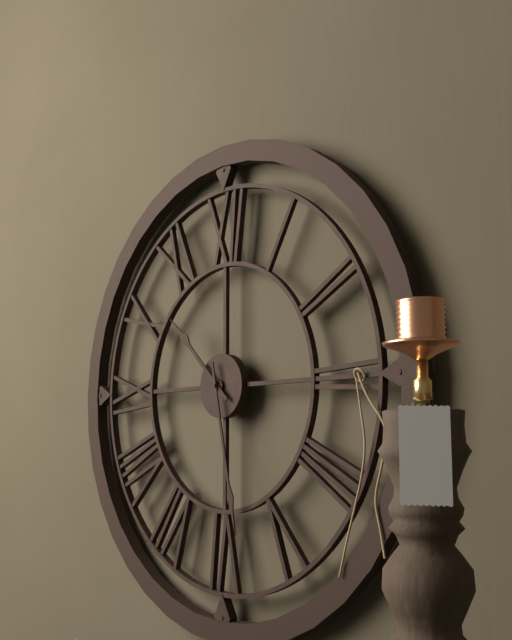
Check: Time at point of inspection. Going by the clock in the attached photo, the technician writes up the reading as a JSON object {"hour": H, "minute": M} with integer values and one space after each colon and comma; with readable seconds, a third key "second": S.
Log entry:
{"hour": 10, "minute": 28}
